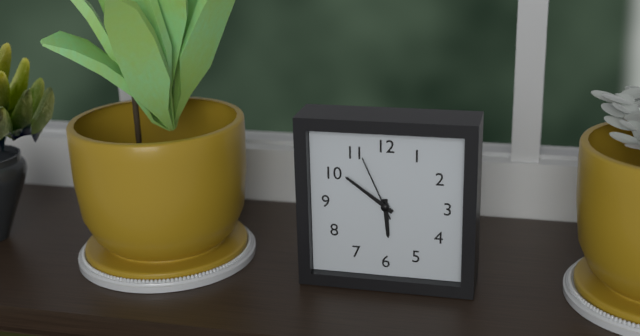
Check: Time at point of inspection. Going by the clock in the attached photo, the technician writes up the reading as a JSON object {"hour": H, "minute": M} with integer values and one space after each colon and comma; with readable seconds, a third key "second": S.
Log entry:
{"hour": 5, "minute": 51, "second": 56}
